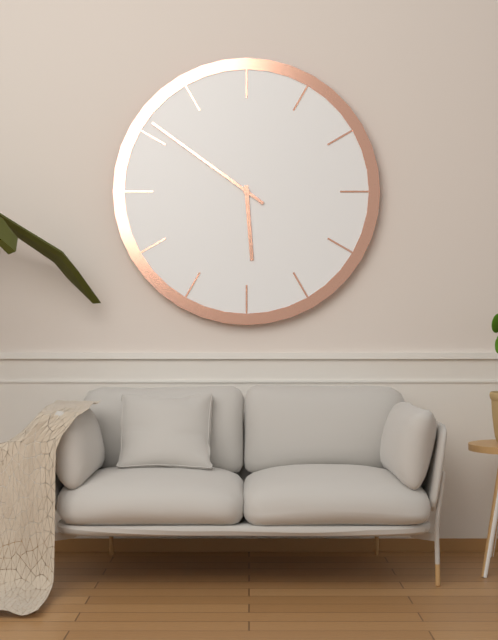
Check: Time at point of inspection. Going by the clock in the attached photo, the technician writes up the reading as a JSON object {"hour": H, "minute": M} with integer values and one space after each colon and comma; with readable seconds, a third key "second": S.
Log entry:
{"hour": 5, "minute": 51}
